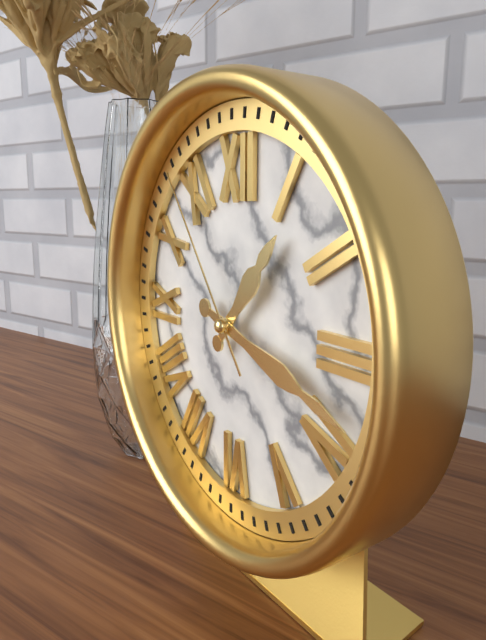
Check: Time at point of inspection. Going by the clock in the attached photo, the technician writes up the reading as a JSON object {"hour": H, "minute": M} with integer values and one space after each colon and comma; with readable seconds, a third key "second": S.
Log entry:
{"hour": 1, "minute": 18, "second": 54}
